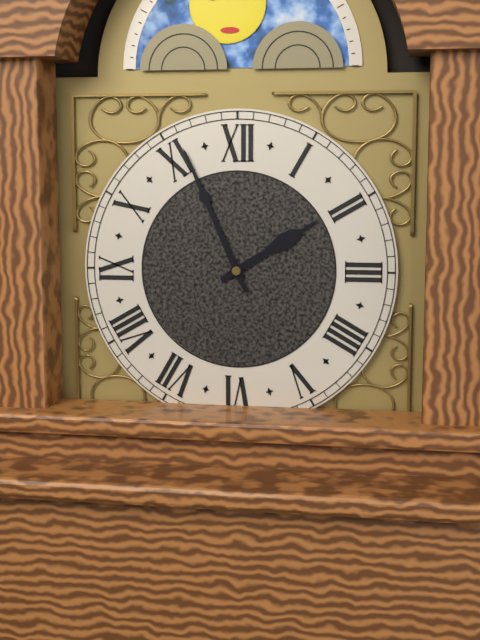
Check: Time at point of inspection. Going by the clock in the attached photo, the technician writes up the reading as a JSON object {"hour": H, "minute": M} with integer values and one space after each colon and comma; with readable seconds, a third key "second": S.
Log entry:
{"hour": 1, "minute": 56}
